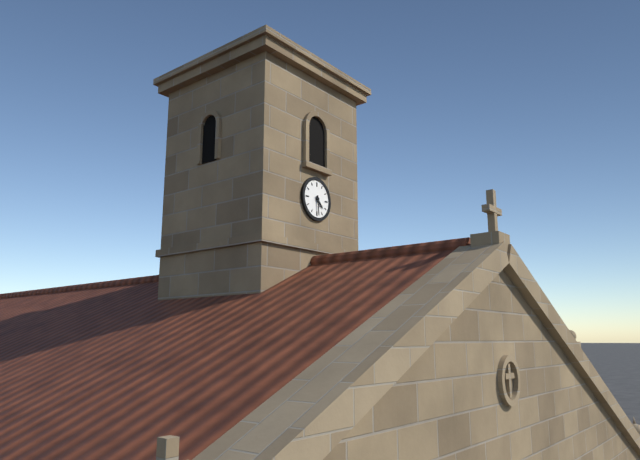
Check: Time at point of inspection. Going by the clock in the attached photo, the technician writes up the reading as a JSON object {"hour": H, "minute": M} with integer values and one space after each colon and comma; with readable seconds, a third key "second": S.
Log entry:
{"hour": 4, "minute": 29}
